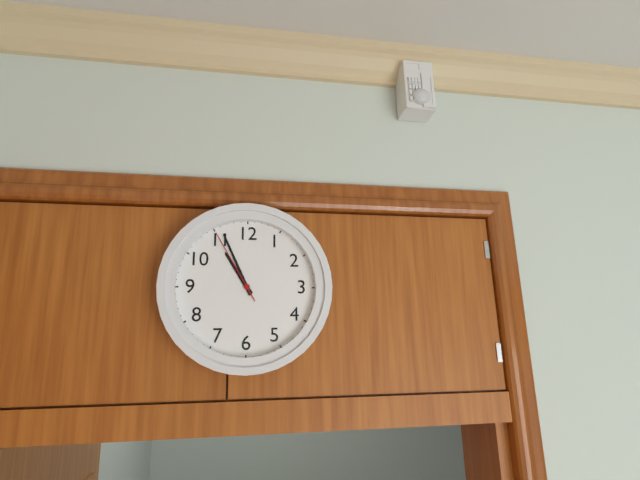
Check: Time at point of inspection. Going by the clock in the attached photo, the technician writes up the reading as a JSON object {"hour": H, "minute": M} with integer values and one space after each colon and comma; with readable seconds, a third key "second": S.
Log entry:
{"hour": 10, "minute": 56, "second": 55}
